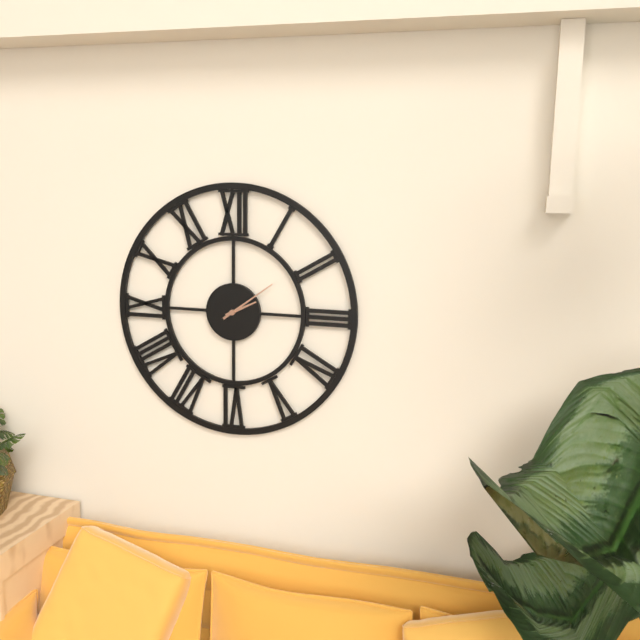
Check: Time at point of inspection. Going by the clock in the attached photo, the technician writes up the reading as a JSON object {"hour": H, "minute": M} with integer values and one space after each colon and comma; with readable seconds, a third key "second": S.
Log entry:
{"hour": 2, "minute": 9}
